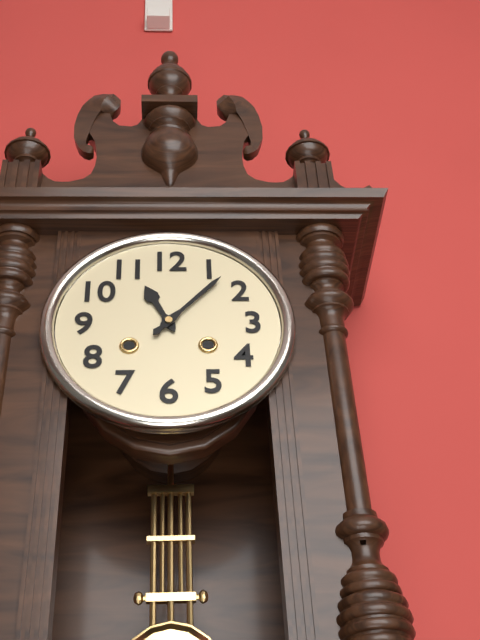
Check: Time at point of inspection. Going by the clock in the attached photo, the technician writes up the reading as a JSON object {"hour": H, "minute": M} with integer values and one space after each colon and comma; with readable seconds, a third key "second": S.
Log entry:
{"hour": 11, "minute": 7}
